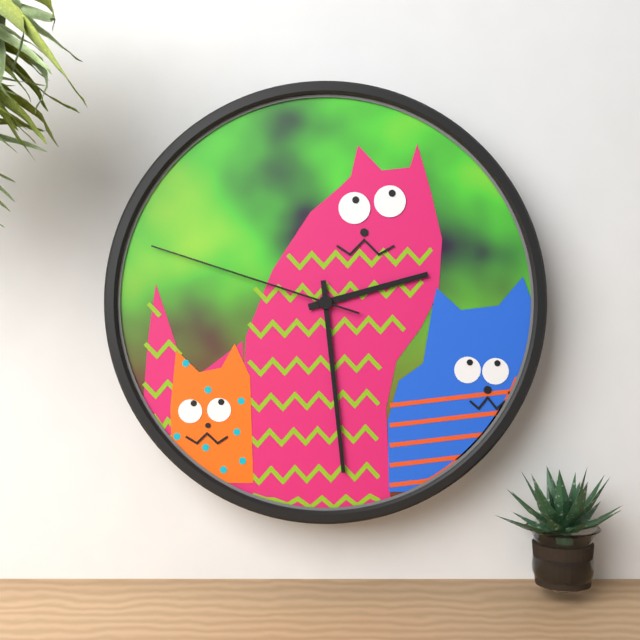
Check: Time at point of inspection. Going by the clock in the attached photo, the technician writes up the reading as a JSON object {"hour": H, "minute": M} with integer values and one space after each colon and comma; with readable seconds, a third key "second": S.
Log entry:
{"hour": 2, "minute": 29, "second": 48}
